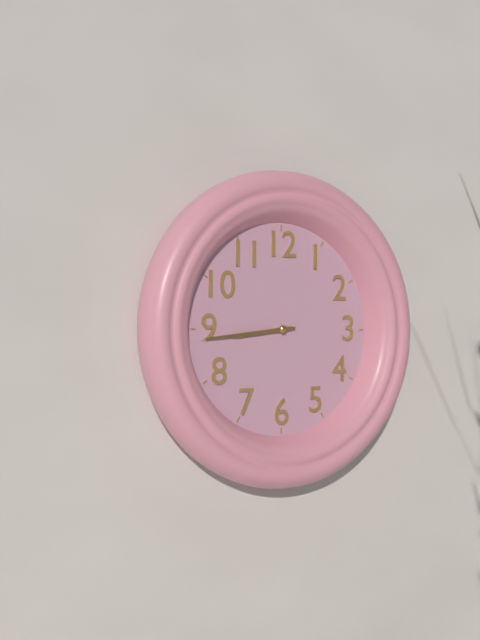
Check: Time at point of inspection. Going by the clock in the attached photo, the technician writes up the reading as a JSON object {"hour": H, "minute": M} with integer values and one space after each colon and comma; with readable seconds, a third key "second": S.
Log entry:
{"hour": 8, "minute": 44}
